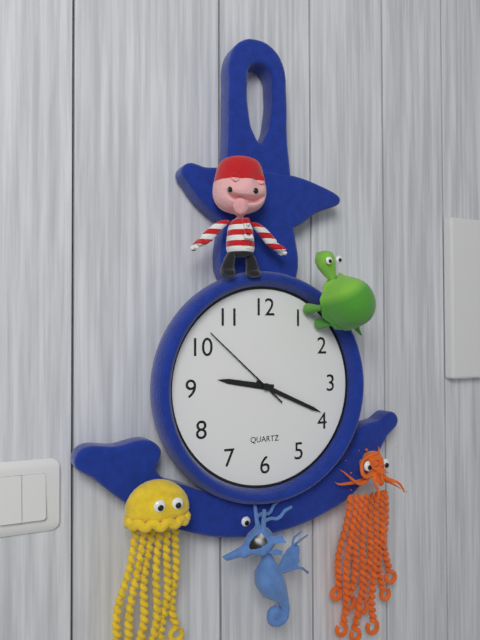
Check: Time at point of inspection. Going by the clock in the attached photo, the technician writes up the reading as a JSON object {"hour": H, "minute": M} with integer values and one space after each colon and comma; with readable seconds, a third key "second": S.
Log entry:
{"hour": 9, "minute": 19, "second": 52}
